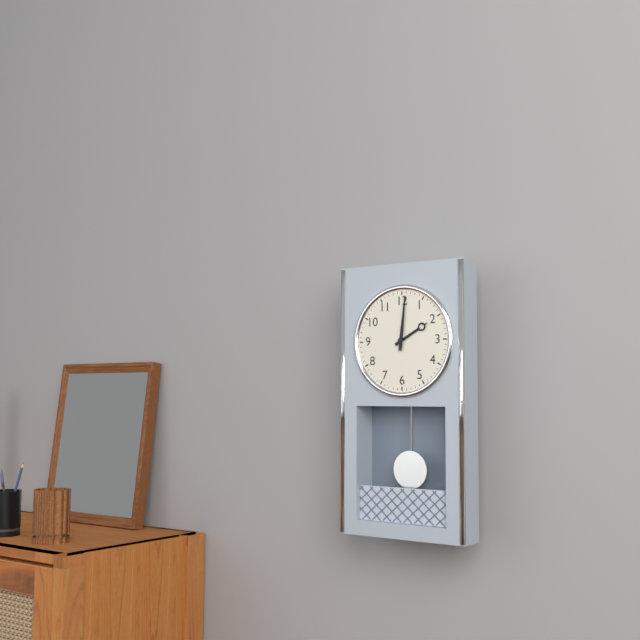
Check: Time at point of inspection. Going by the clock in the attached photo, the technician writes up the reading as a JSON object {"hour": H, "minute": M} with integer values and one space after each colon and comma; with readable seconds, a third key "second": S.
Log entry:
{"hour": 2, "minute": 1}
